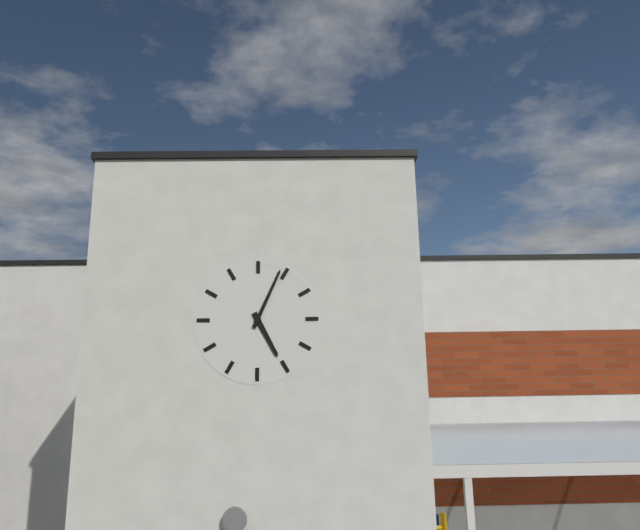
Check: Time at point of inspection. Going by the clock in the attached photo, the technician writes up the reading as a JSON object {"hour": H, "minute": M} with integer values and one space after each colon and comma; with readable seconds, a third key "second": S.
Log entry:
{"hour": 5, "minute": 4}
